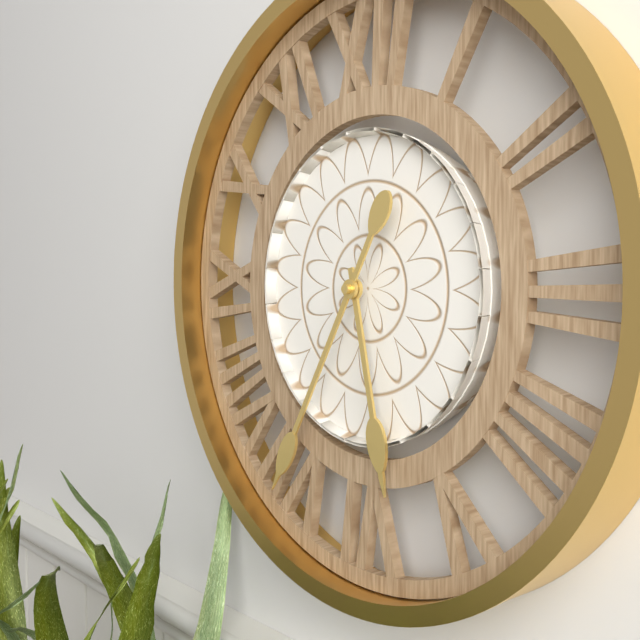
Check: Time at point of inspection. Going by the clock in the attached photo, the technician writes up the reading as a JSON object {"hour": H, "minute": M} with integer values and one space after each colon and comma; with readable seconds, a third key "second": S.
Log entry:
{"hour": 5, "minute": 35}
